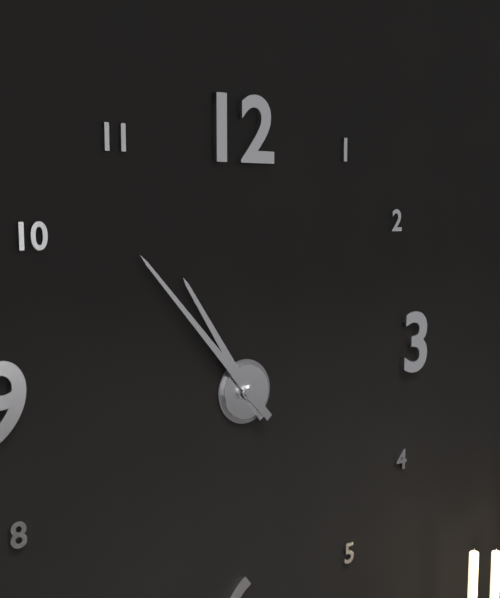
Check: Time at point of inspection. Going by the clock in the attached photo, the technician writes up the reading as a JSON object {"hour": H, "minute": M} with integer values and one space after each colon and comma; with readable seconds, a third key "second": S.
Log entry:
{"hour": 10, "minute": 53}
